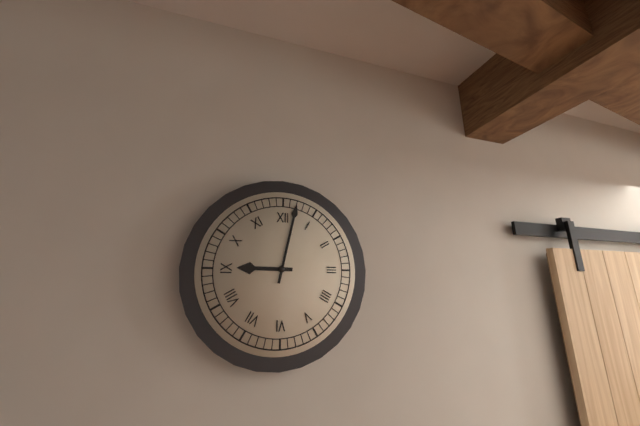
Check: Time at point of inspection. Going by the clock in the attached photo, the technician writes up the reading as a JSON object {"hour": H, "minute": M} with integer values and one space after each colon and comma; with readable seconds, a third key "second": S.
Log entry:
{"hour": 9, "minute": 2}
